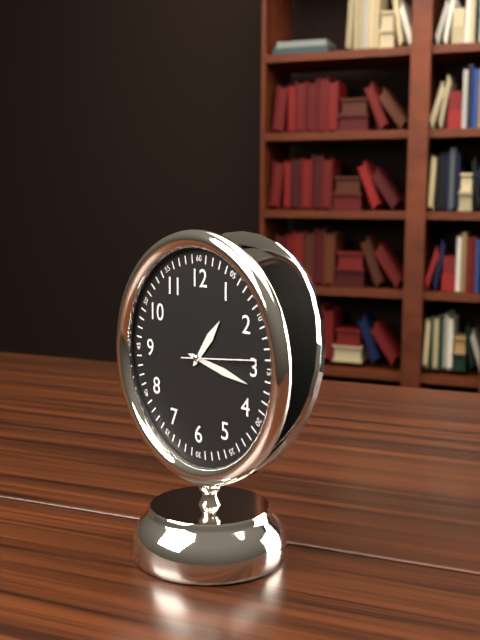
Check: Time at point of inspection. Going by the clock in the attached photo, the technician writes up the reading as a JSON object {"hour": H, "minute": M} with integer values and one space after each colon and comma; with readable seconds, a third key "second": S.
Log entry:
{"hour": 1, "minute": 17, "second": 14}
